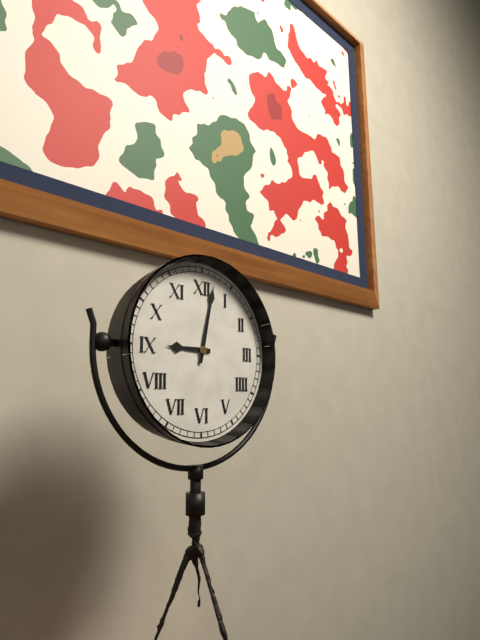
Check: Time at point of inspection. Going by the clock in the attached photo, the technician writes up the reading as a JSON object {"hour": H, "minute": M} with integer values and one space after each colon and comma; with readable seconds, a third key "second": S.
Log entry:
{"hour": 9, "minute": 2}
